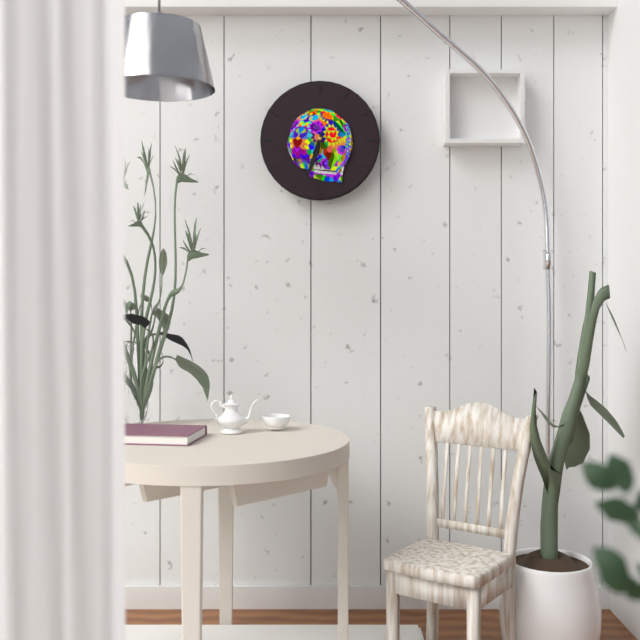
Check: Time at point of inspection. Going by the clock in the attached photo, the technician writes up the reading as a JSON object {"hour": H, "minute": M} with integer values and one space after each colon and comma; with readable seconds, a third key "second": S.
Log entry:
{"hour": 6, "minute": 33}
